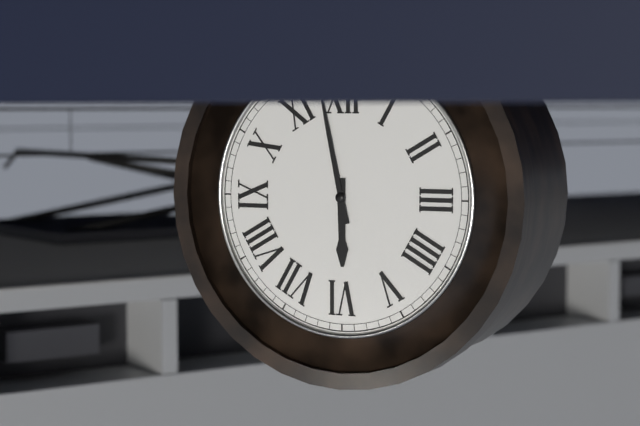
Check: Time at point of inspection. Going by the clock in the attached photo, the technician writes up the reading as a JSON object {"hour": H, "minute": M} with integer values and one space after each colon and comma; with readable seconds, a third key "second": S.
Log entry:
{"hour": 5, "minute": 58}
